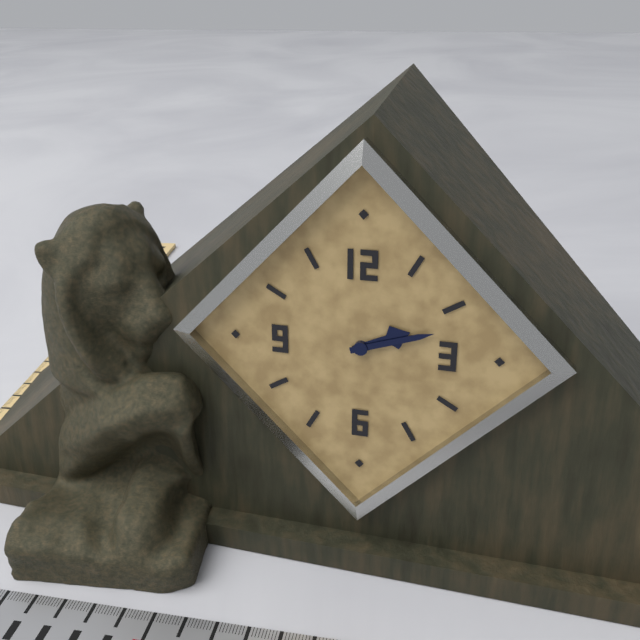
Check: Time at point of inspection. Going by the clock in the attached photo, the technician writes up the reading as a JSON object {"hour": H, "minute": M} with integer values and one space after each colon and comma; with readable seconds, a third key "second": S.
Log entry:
{"hour": 2, "minute": 12}
